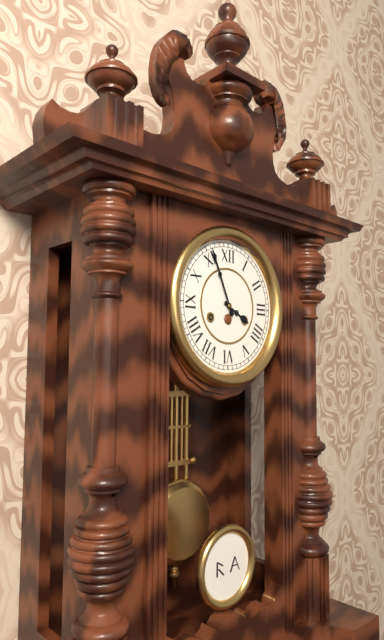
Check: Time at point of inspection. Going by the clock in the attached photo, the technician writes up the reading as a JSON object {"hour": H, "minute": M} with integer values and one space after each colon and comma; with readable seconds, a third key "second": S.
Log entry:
{"hour": 3, "minute": 56}
